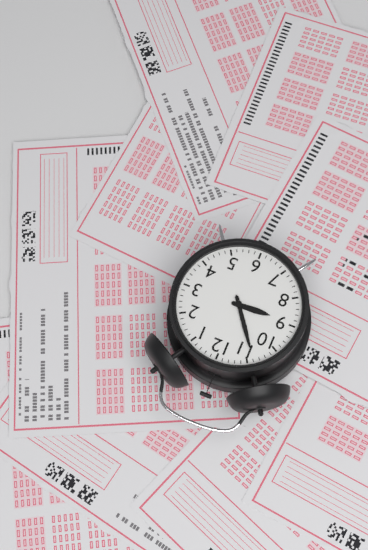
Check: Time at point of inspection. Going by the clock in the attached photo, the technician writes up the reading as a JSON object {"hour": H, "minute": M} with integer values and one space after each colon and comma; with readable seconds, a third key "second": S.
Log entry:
{"hour": 8, "minute": 54}
